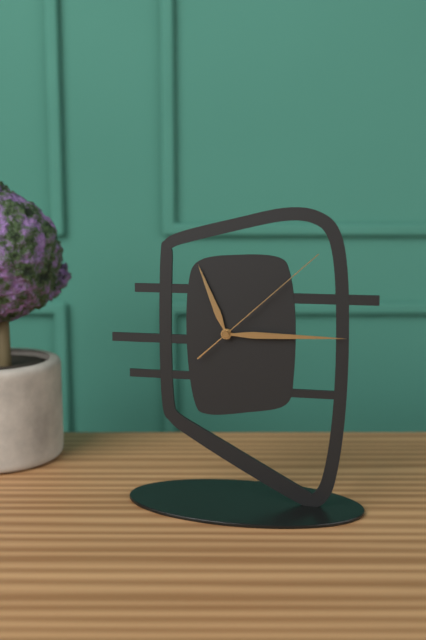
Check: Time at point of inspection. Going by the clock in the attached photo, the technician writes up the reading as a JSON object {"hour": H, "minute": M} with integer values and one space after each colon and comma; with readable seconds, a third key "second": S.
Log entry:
{"hour": 11, "minute": 15, "second": 8}
